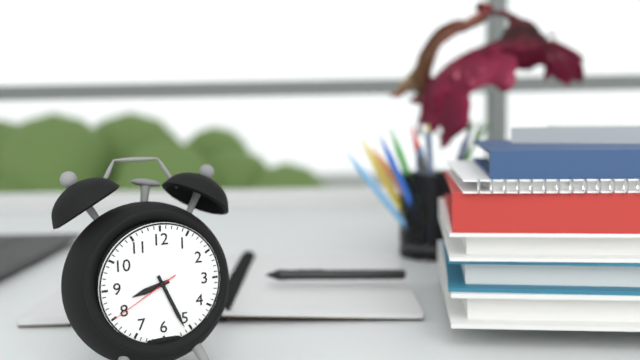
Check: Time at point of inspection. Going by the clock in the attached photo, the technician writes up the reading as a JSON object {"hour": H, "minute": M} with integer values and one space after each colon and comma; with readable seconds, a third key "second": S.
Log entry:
{"hour": 8, "minute": 26, "second": 40}
